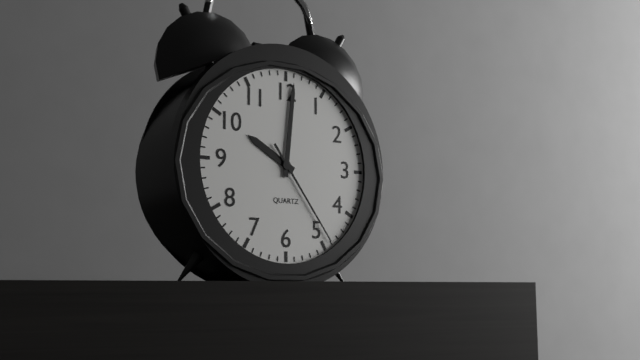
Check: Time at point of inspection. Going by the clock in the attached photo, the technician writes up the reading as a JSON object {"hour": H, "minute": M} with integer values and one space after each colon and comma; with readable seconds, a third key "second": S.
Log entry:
{"hour": 10, "minute": 1, "second": 24}
